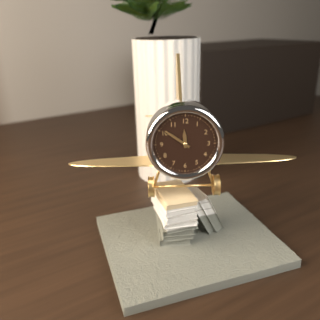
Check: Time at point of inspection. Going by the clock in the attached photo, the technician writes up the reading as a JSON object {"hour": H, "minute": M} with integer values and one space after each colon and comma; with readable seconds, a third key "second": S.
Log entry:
{"hour": 11, "minute": 51}
